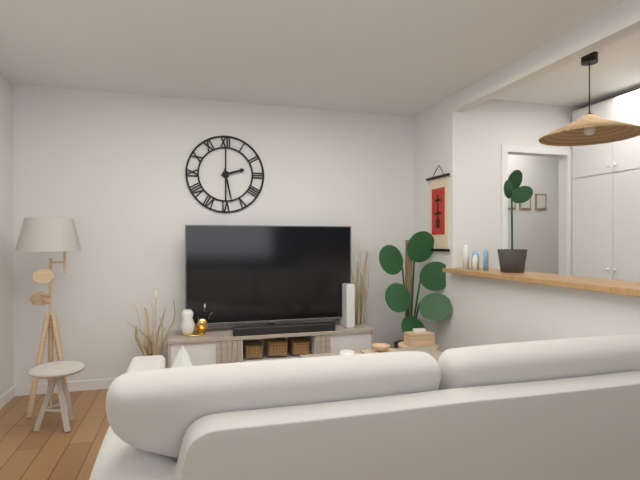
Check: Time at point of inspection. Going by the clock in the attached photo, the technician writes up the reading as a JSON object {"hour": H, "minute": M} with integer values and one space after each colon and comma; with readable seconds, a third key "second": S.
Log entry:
{"hour": 2, "minute": 28}
